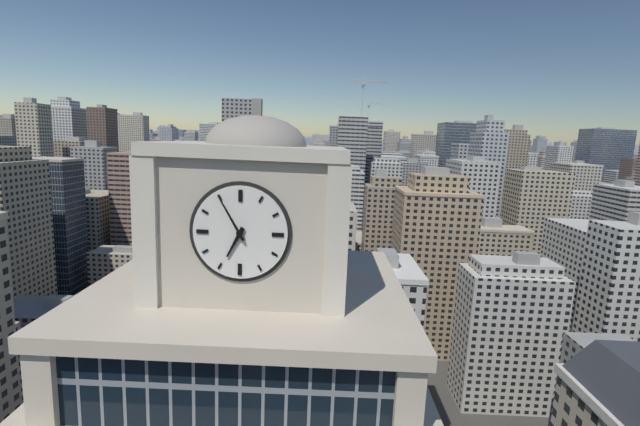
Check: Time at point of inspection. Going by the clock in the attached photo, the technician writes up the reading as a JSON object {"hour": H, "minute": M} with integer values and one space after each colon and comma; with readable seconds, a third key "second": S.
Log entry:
{"hour": 6, "minute": 55}
